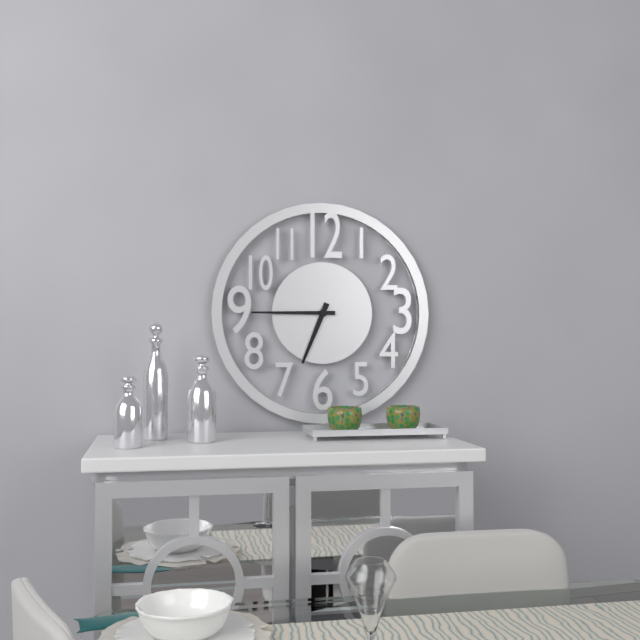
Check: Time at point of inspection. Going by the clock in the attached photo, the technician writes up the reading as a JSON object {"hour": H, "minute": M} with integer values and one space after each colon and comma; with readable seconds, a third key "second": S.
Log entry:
{"hour": 6, "minute": 45}
